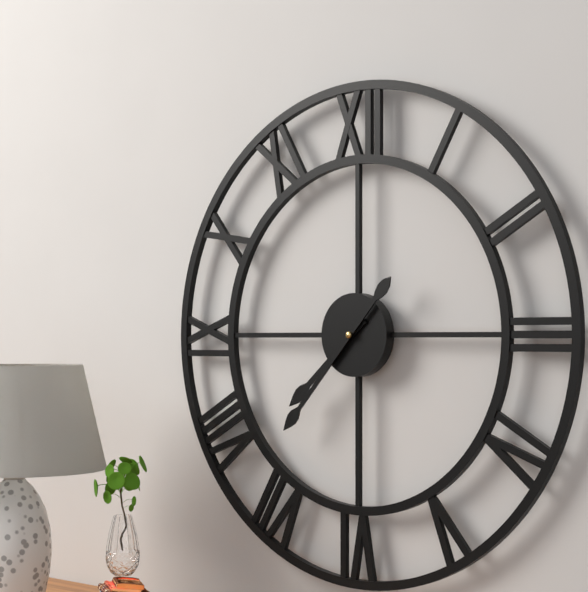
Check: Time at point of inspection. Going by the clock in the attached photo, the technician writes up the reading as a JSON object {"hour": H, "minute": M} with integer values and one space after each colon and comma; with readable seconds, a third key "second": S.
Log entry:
{"hour": 7, "minute": 37}
